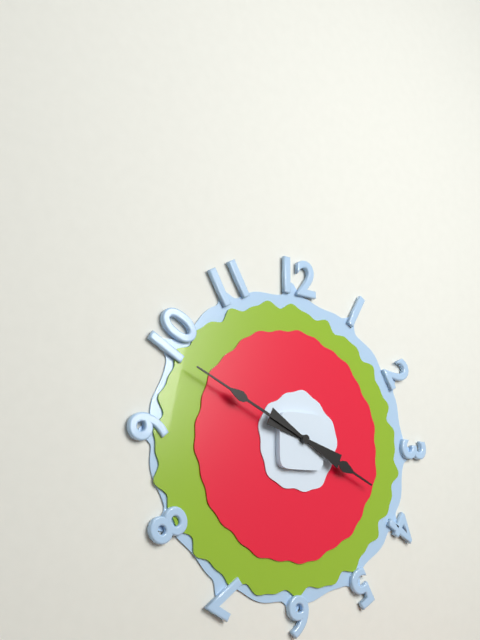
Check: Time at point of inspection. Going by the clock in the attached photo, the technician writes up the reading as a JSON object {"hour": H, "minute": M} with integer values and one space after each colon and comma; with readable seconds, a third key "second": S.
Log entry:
{"hour": 3, "minute": 49}
